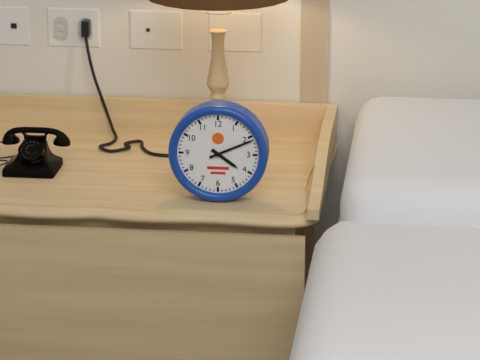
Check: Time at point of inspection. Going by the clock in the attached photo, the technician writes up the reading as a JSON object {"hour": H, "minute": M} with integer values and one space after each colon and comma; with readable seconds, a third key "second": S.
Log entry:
{"hour": 4, "minute": 11}
